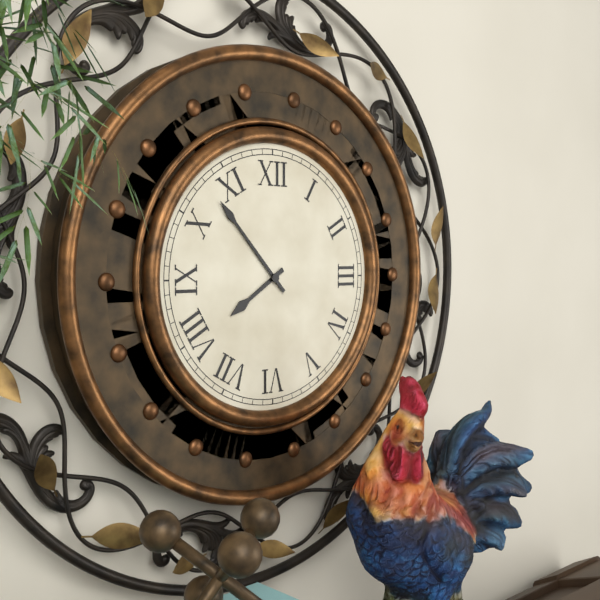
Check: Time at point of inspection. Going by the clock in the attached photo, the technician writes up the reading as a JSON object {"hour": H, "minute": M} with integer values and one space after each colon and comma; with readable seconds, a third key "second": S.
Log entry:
{"hour": 7, "minute": 53}
